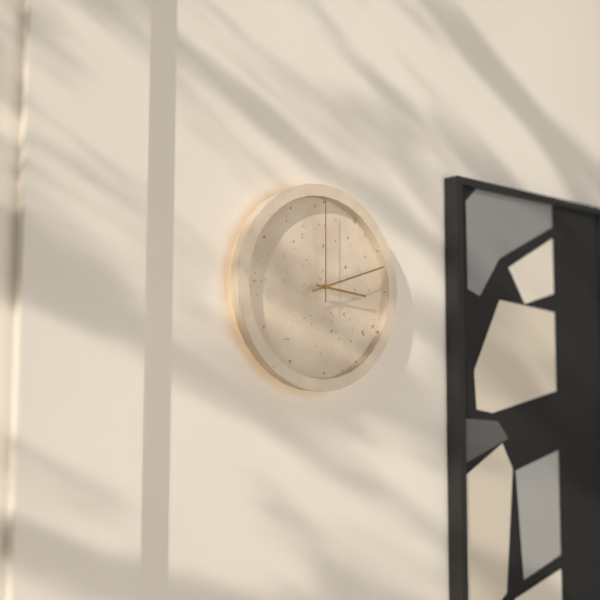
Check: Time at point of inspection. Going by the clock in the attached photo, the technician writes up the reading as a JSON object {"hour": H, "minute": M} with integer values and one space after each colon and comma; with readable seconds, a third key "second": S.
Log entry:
{"hour": 3, "minute": 12, "second": 0}
